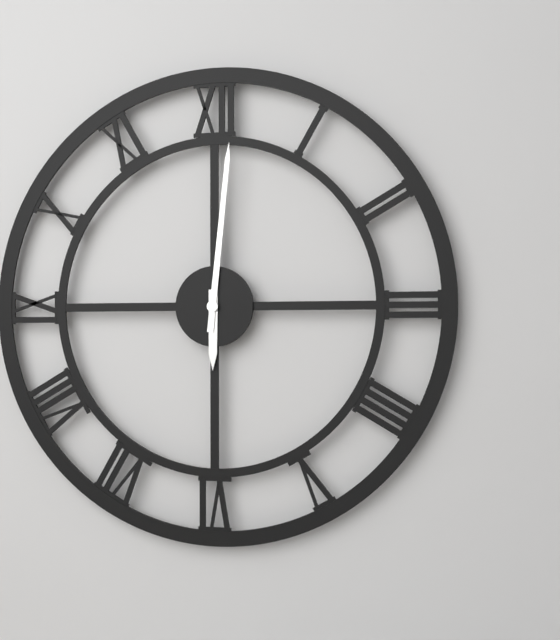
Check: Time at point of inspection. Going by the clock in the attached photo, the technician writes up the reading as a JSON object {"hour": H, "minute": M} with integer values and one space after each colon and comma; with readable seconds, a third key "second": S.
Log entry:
{"hour": 6, "minute": 1}
